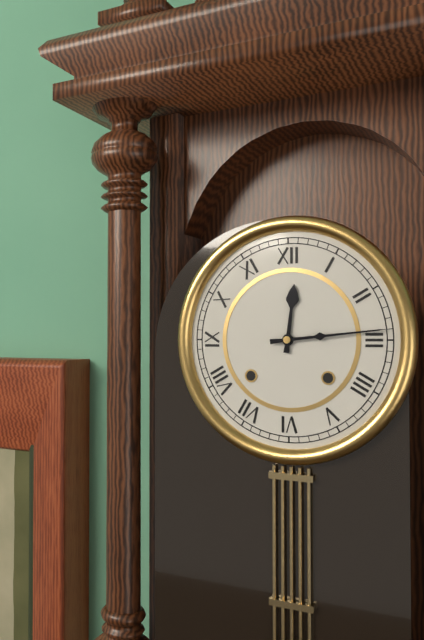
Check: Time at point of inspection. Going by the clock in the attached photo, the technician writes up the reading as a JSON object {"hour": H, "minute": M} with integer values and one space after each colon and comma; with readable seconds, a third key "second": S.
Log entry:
{"hour": 12, "minute": 14}
